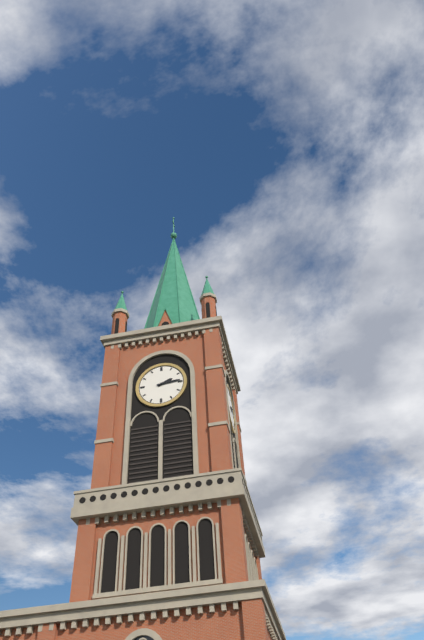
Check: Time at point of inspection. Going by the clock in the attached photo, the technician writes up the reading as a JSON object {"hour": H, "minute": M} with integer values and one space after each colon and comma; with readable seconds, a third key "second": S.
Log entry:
{"hour": 2, "minute": 14}
